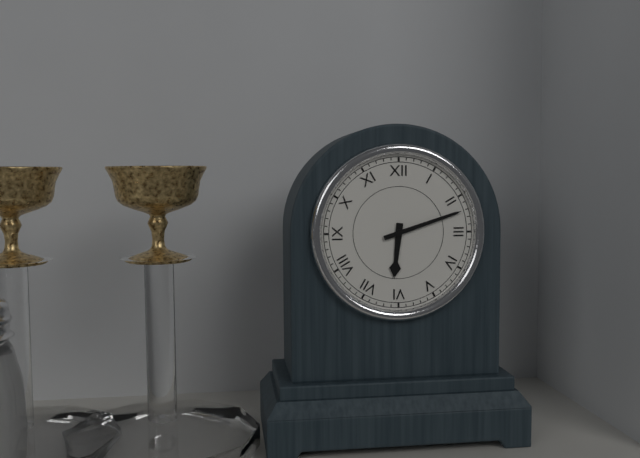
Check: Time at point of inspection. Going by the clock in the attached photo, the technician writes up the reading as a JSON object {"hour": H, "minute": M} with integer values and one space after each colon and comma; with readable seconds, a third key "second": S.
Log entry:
{"hour": 6, "minute": 12}
